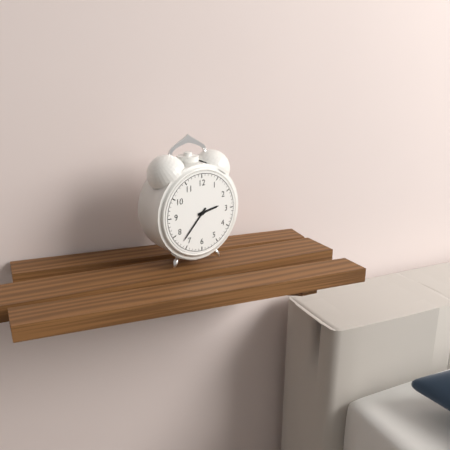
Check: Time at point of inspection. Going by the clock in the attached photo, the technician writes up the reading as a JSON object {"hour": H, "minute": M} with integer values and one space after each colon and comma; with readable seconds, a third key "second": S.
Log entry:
{"hour": 2, "minute": 37}
